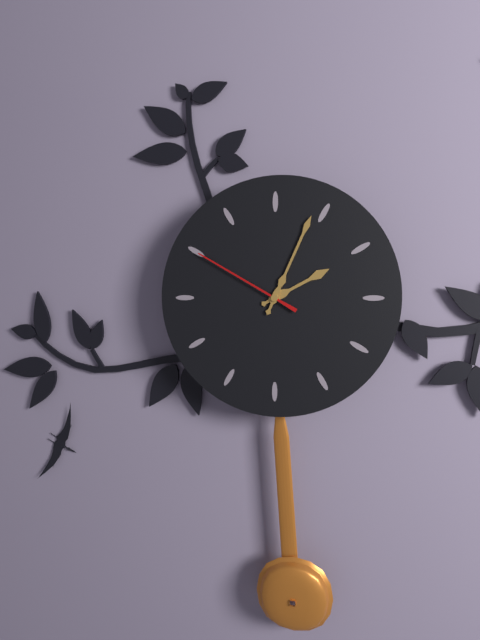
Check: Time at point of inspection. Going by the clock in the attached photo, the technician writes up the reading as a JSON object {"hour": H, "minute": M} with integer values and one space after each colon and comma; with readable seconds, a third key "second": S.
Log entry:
{"hour": 2, "minute": 4, "second": 50}
